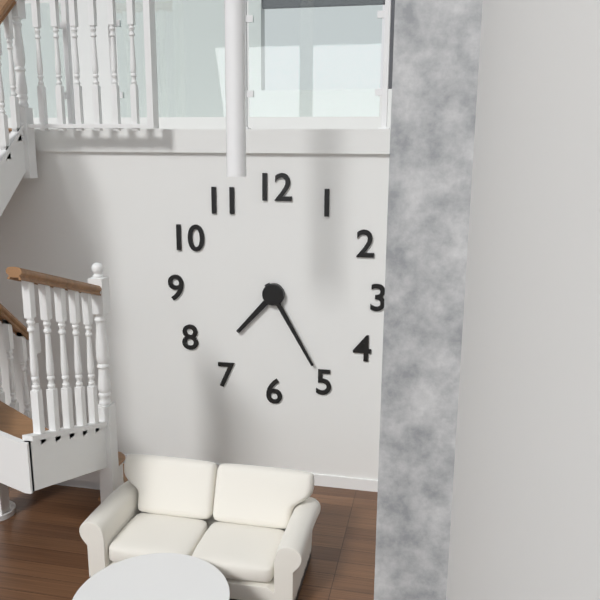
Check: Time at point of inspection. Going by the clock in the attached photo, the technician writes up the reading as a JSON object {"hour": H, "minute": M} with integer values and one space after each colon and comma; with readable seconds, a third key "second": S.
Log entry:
{"hour": 7, "minute": 25}
